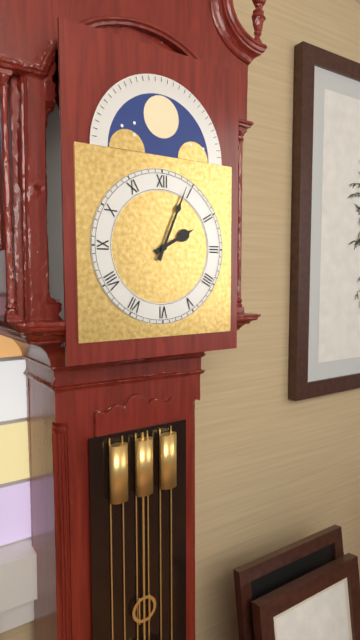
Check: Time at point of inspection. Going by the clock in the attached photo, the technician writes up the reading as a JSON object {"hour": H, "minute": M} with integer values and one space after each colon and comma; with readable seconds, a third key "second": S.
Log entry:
{"hour": 2, "minute": 4}
